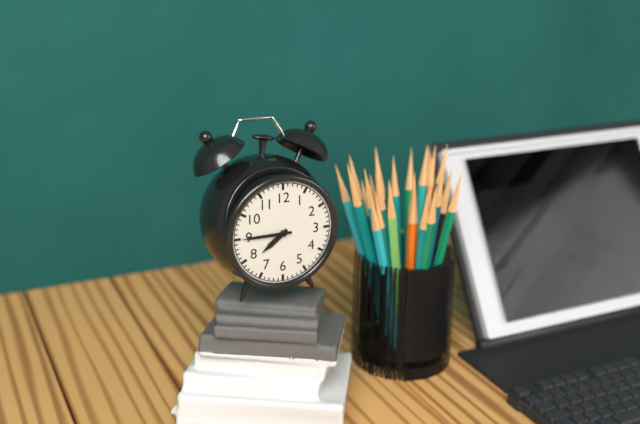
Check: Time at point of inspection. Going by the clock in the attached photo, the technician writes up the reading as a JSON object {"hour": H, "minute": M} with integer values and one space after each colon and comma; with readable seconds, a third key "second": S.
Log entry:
{"hour": 7, "minute": 45}
